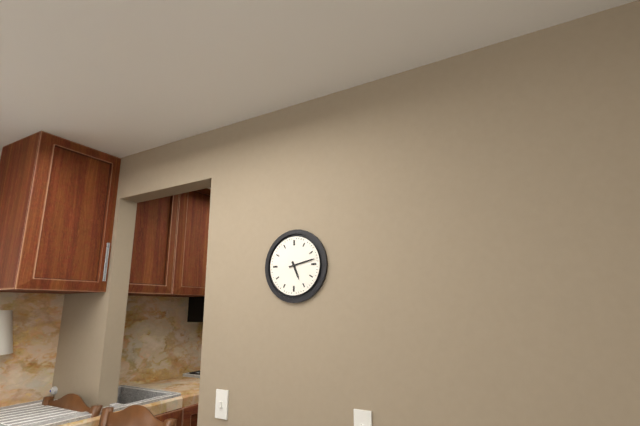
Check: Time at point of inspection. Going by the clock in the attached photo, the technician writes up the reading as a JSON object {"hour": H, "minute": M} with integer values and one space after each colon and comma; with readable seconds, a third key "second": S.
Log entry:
{"hour": 5, "minute": 13}
